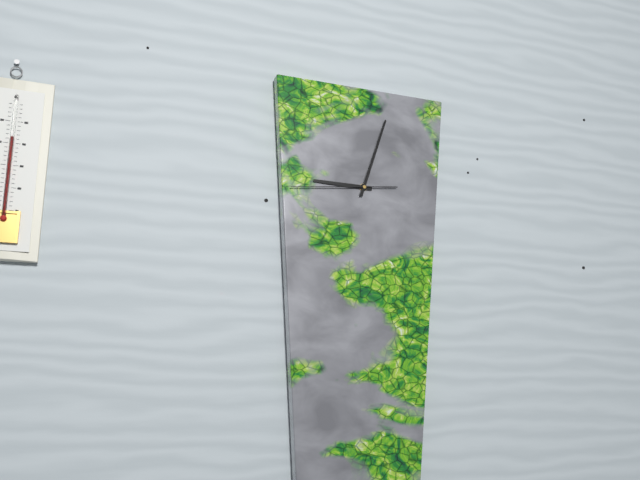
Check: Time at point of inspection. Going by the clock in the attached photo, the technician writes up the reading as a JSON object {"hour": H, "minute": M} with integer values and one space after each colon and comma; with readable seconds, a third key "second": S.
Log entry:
{"hour": 9, "minute": 3, "second": 44}
